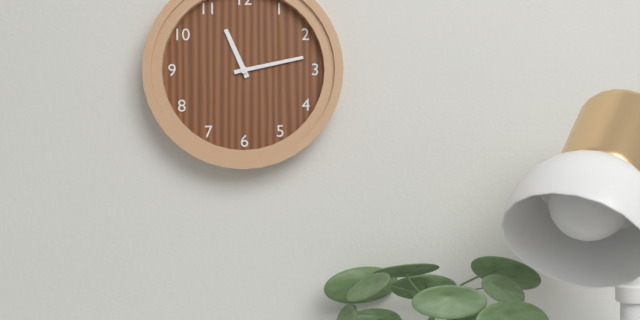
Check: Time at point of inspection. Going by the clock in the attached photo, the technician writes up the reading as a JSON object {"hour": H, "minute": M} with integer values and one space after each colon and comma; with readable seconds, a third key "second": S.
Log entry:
{"hour": 11, "minute": 13}
